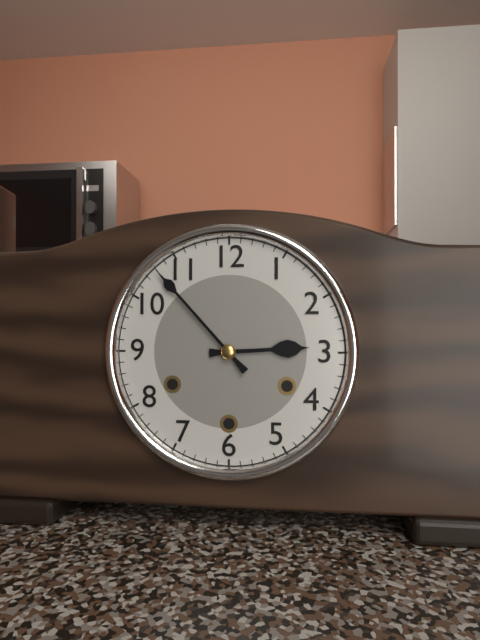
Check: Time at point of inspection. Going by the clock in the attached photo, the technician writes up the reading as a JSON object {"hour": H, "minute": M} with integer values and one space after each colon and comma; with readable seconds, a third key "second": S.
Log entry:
{"hour": 2, "minute": 53}
